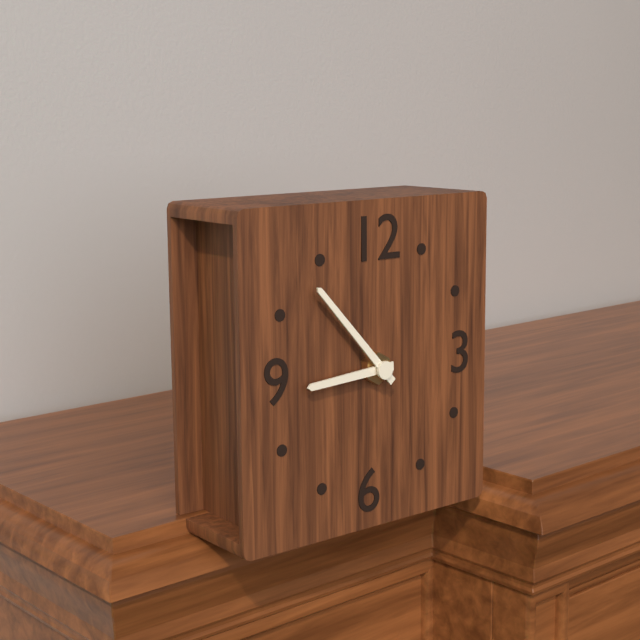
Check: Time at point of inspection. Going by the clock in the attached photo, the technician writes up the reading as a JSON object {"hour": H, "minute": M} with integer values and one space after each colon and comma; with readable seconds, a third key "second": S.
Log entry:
{"hour": 8, "minute": 53}
